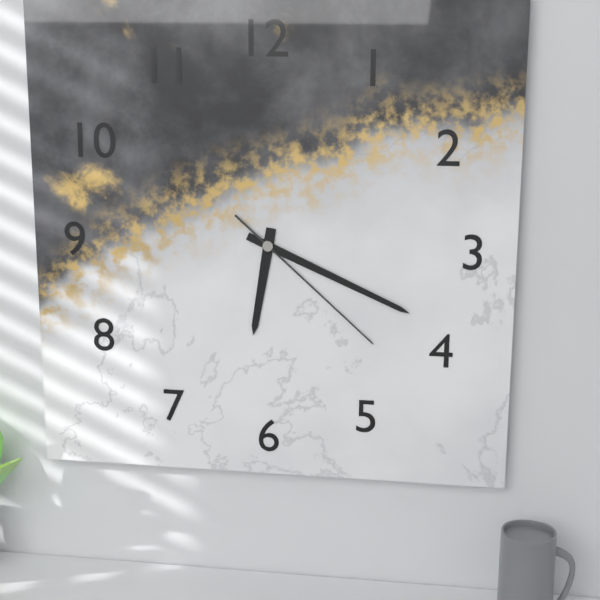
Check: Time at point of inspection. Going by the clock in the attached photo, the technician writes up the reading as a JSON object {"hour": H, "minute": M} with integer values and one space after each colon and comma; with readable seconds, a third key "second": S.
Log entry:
{"hour": 6, "minute": 19, "second": 22}
